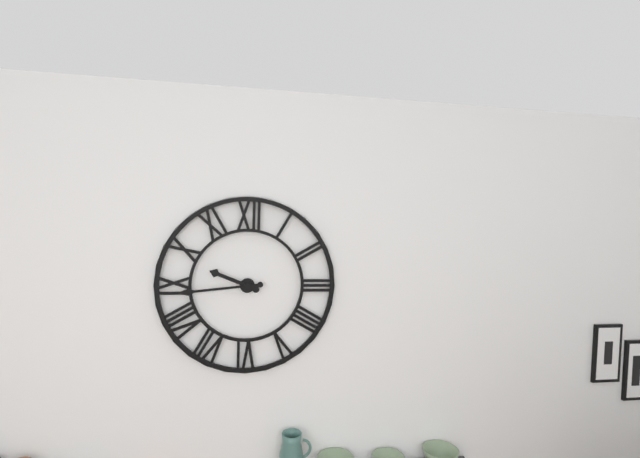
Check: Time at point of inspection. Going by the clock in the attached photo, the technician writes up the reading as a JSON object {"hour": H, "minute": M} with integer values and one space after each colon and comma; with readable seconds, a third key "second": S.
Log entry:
{"hour": 9, "minute": 44}
